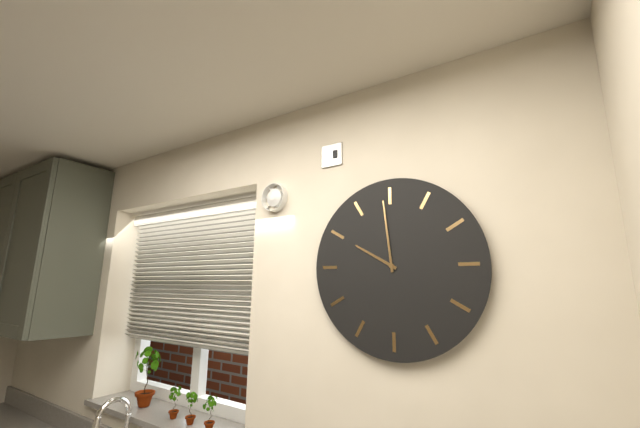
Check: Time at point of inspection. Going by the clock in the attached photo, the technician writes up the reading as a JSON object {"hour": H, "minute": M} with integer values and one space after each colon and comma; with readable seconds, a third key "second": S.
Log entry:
{"hour": 9, "minute": 59}
